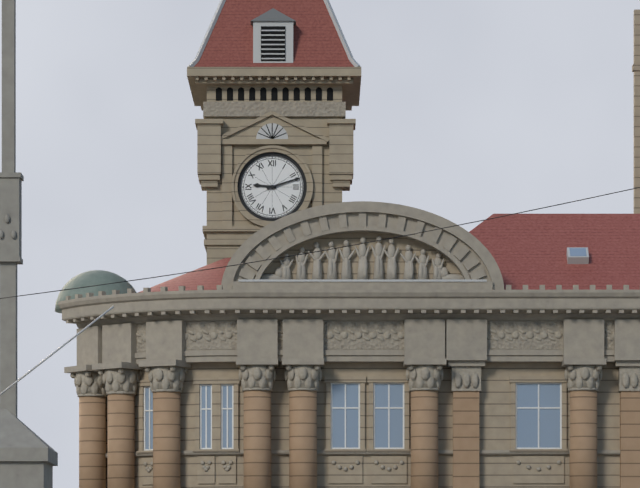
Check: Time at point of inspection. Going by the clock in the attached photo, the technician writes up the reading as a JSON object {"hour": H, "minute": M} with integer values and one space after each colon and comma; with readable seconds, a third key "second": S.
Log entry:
{"hour": 9, "minute": 12}
